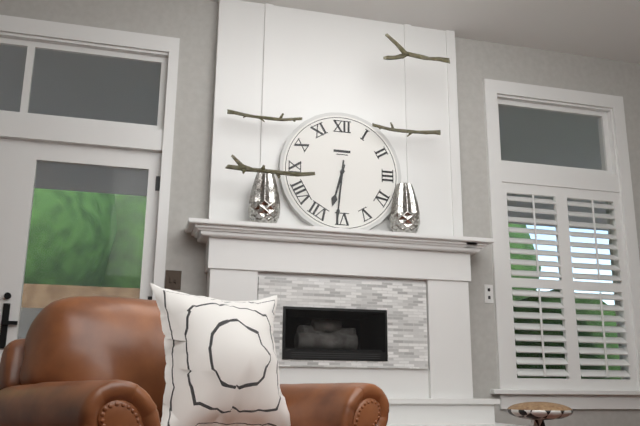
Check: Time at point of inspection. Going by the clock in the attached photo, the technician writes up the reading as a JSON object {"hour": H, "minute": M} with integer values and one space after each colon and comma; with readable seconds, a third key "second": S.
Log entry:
{"hour": 6, "minute": 31}
